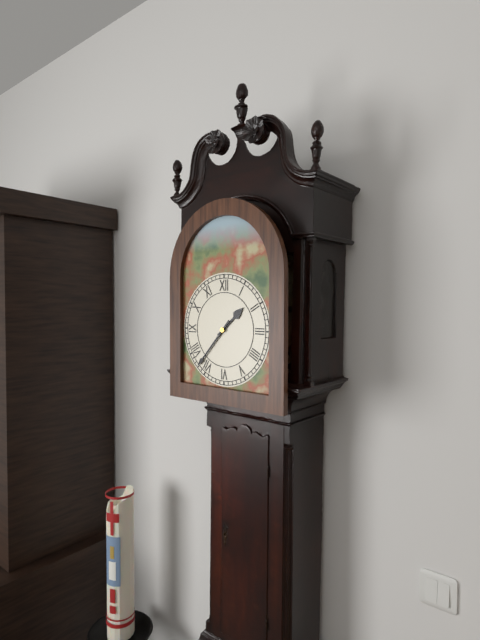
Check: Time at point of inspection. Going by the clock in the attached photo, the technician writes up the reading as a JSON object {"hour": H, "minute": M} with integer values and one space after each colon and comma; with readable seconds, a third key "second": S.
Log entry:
{"hour": 1, "minute": 37}
